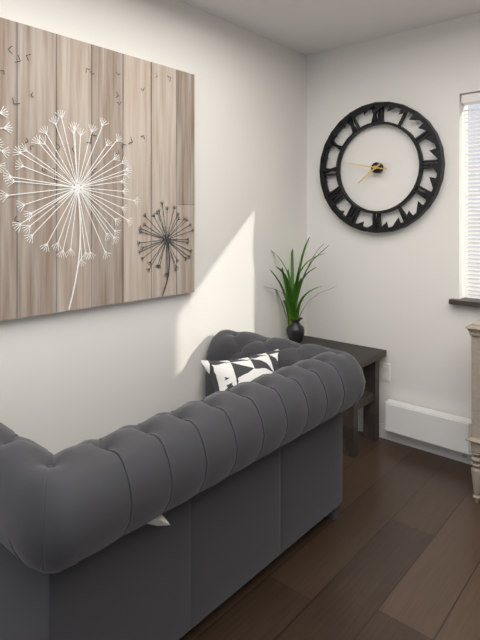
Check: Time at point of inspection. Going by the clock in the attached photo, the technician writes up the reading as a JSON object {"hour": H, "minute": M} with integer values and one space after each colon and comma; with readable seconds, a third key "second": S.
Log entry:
{"hour": 7, "minute": 47}
